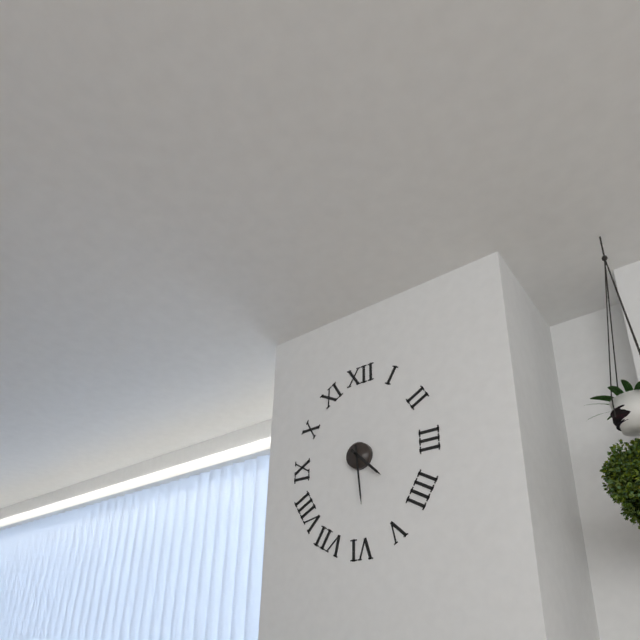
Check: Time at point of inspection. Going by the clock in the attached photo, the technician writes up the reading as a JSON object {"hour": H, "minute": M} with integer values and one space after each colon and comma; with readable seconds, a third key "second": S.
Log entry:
{"hour": 4, "minute": 29}
